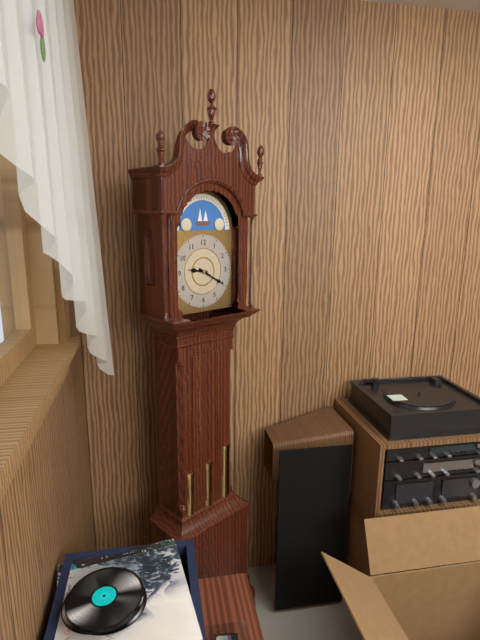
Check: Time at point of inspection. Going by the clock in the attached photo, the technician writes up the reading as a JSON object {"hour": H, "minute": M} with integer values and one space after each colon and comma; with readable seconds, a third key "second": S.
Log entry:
{"hour": 9, "minute": 20}
